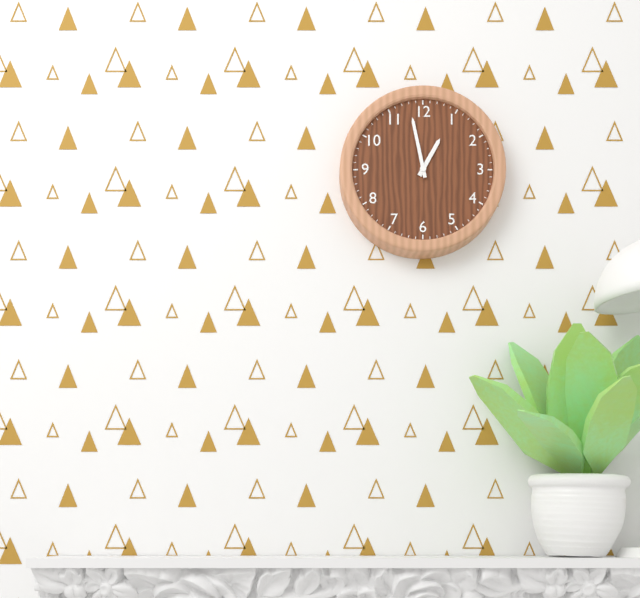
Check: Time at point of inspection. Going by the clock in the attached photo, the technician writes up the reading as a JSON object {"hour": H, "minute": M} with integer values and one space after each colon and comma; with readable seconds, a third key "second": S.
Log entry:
{"hour": 12, "minute": 58}
